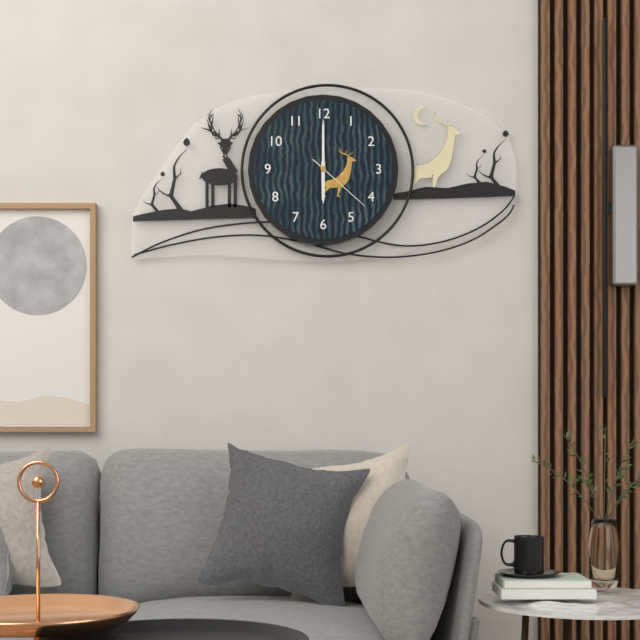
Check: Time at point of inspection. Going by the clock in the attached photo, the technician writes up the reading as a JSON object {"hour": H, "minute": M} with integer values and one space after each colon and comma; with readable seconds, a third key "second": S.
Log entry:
{"hour": 6, "minute": 0, "second": 22}
